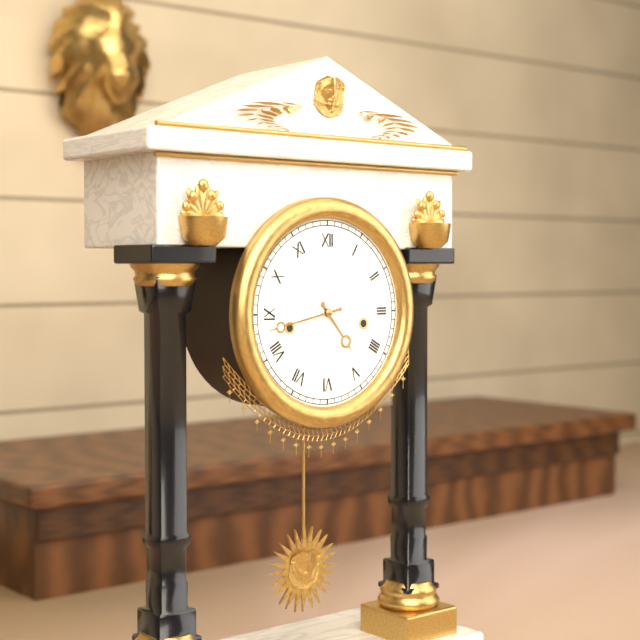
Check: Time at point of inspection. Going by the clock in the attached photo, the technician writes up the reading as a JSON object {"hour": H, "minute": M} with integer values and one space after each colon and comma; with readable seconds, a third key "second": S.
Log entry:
{"hour": 4, "minute": 43}
